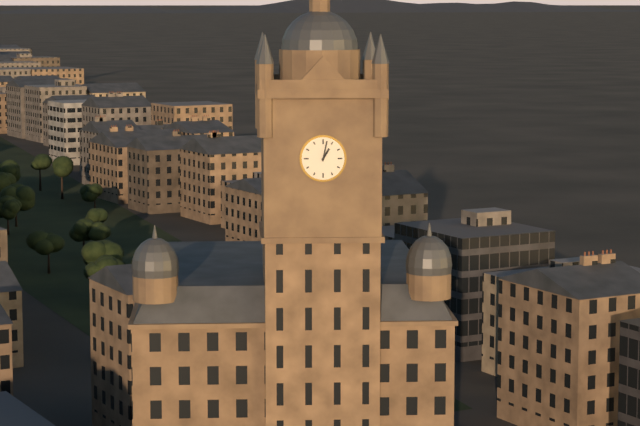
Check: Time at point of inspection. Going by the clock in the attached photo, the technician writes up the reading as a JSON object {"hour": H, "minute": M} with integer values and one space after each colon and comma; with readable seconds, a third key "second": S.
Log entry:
{"hour": 1, "minute": 2}
